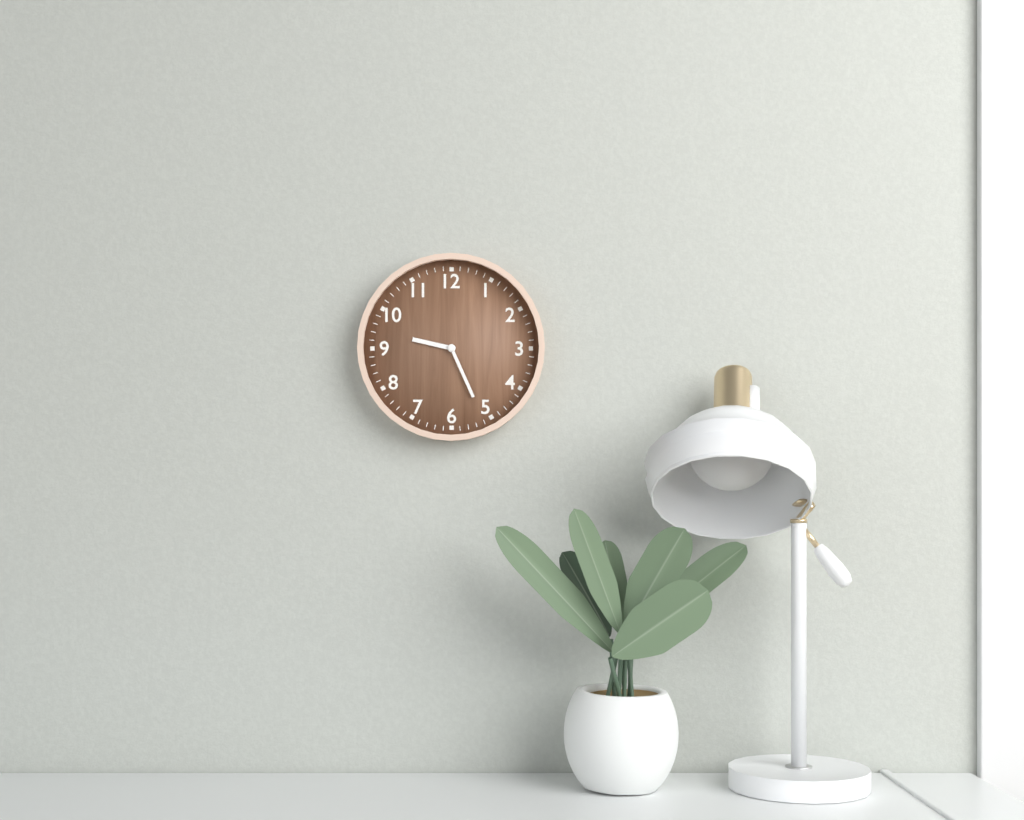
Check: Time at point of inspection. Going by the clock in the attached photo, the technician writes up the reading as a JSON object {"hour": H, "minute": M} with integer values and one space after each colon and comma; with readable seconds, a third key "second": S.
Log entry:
{"hour": 9, "minute": 26}
